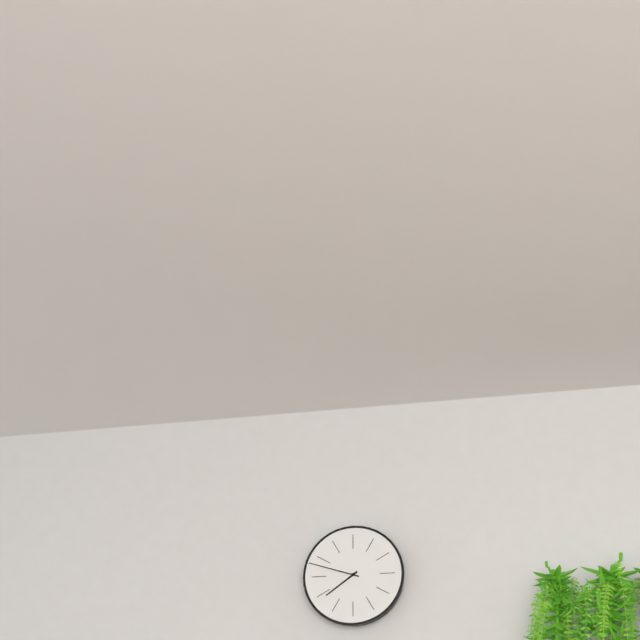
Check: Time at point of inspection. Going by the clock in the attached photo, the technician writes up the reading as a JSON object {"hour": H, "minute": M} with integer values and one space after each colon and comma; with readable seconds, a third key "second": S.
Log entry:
{"hour": 7, "minute": 48}
